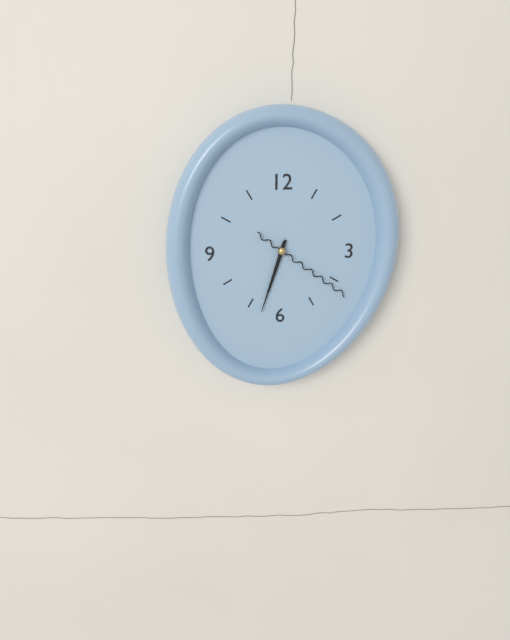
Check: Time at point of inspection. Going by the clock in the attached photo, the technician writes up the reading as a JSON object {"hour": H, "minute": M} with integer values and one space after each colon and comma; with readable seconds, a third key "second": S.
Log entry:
{"hour": 6, "minute": 33, "second": 21}
